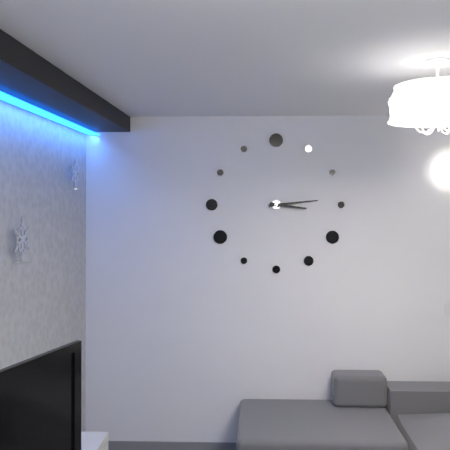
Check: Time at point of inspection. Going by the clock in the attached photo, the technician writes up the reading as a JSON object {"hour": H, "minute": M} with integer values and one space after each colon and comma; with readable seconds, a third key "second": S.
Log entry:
{"hour": 3, "minute": 14}
